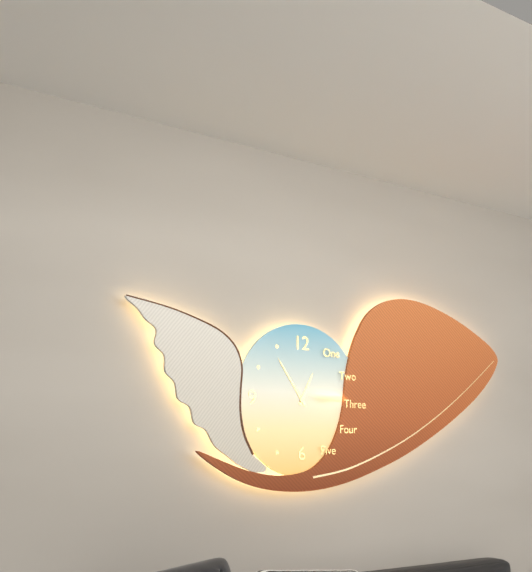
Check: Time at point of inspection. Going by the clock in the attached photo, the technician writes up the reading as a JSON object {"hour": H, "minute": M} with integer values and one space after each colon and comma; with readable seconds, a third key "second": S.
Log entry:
{"hour": 12, "minute": 54}
